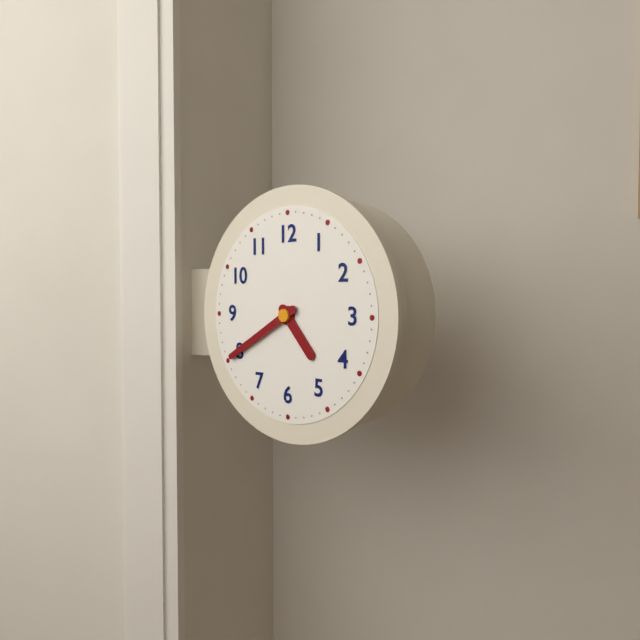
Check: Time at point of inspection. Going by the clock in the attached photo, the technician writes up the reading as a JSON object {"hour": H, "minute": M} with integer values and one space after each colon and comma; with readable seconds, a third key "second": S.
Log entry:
{"hour": 4, "minute": 40}
